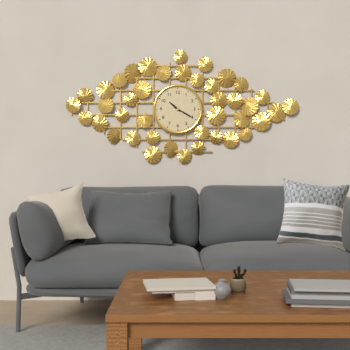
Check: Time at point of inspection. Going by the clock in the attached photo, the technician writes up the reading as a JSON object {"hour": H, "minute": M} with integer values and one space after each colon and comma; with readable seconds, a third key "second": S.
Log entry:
{"hour": 10, "minute": 20}
